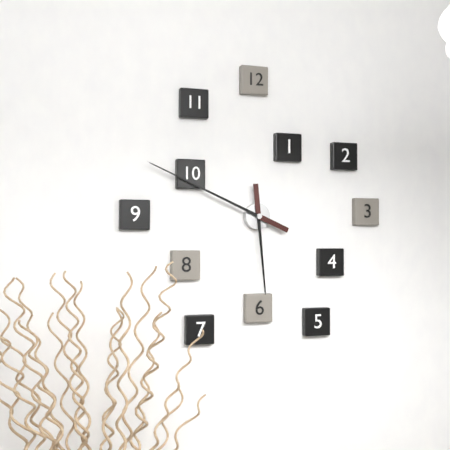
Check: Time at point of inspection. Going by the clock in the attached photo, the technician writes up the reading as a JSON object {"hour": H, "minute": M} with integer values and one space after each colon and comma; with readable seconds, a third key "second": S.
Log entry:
{"hour": 5, "minute": 49}
